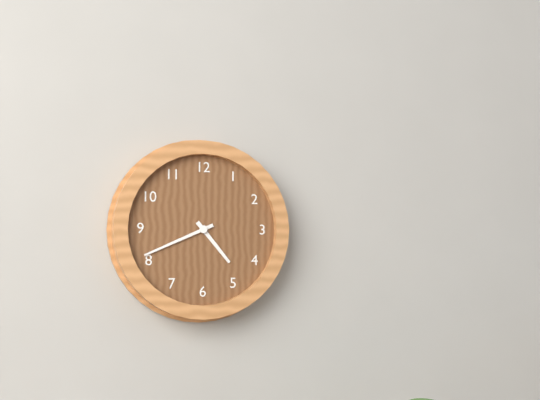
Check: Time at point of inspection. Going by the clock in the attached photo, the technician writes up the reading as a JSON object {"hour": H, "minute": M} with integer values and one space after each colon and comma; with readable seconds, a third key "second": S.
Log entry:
{"hour": 4, "minute": 41}
